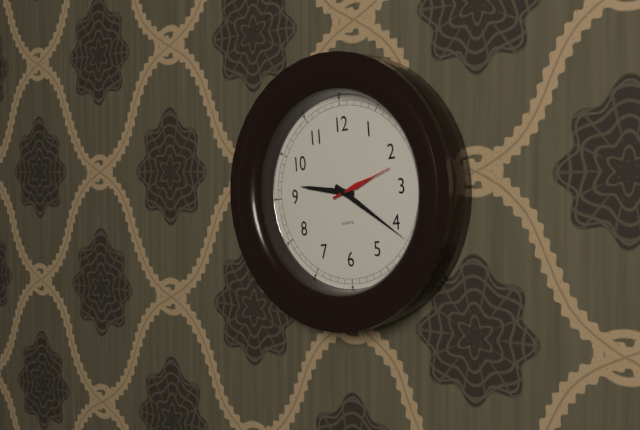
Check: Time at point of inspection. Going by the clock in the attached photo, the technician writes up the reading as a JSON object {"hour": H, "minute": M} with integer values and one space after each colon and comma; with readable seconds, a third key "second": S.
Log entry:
{"hour": 9, "minute": 21, "second": 12}
